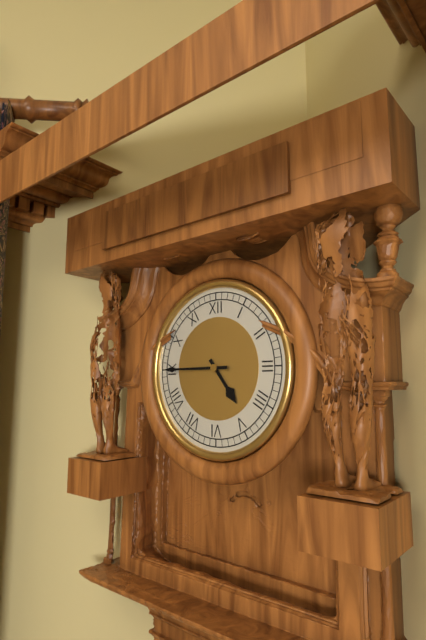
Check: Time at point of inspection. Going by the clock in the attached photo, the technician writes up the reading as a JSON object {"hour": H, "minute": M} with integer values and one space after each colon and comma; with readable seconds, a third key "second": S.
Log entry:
{"hour": 4, "minute": 45}
